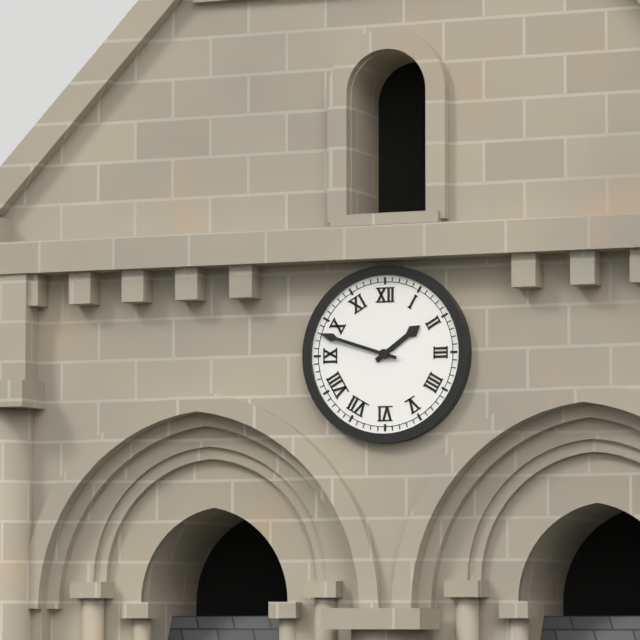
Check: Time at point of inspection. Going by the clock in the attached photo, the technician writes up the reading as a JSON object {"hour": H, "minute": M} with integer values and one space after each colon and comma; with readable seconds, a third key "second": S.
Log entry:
{"hour": 1, "minute": 48}
